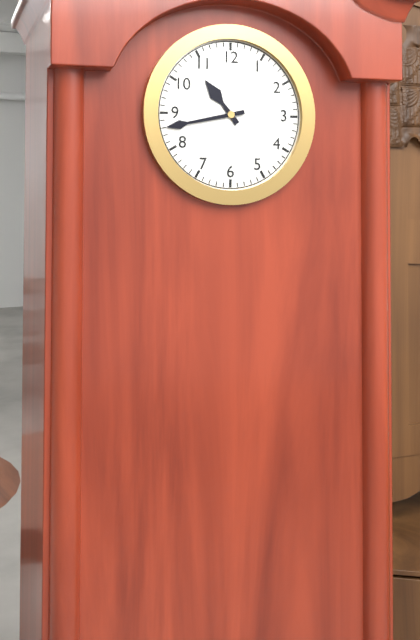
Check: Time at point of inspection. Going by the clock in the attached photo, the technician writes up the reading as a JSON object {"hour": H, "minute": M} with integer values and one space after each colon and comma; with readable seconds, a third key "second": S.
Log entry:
{"hour": 10, "minute": 43}
